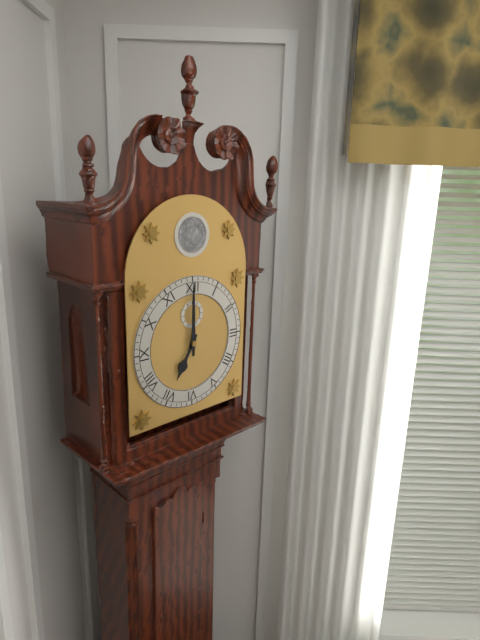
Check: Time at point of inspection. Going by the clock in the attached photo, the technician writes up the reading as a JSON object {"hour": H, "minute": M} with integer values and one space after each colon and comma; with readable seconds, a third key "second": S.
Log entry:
{"hour": 7, "minute": 0}
